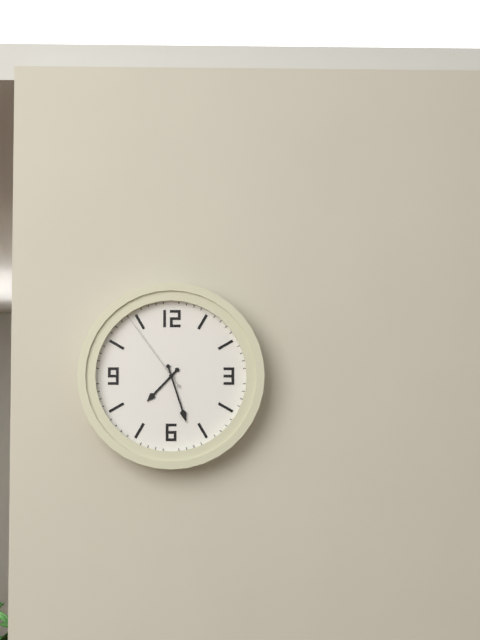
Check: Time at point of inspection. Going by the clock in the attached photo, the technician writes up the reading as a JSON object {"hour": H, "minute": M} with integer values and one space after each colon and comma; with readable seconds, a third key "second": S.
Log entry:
{"hour": 7, "minute": 27, "second": 54}
